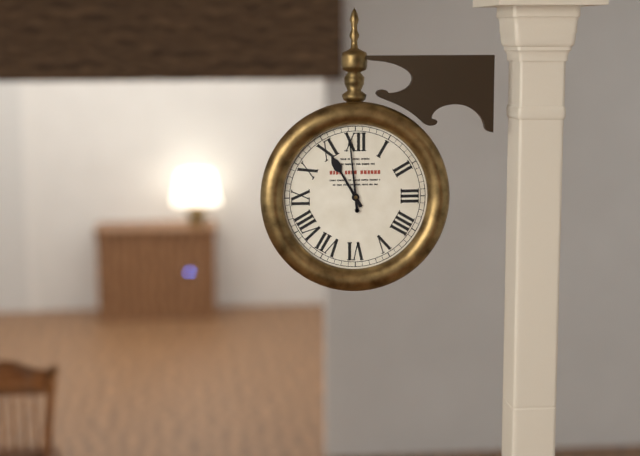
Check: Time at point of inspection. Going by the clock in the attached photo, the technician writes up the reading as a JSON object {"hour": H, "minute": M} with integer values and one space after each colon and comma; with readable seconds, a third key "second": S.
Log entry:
{"hour": 10, "minute": 59}
